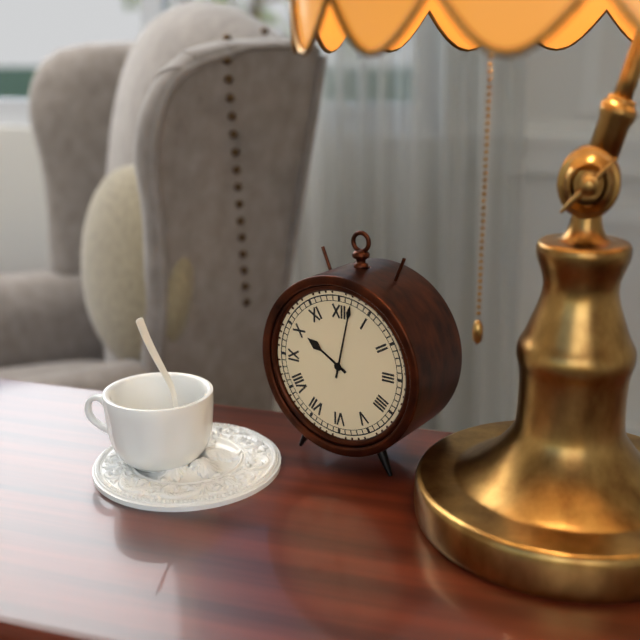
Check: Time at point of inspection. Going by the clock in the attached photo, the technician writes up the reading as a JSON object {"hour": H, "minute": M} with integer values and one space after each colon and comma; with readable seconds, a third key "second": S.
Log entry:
{"hour": 10, "minute": 2}
